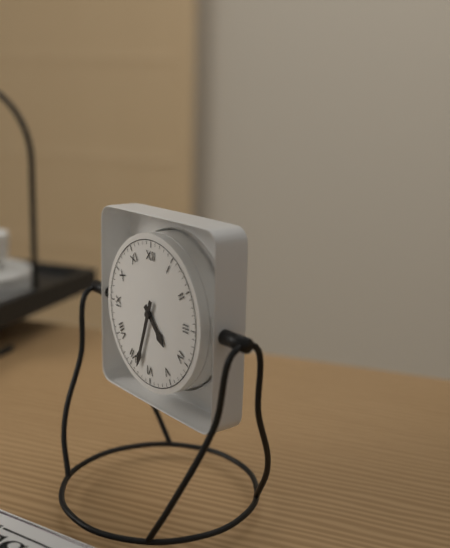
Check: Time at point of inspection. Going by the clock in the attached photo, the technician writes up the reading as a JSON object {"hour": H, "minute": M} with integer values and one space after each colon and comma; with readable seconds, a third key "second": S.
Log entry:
{"hour": 4, "minute": 33}
